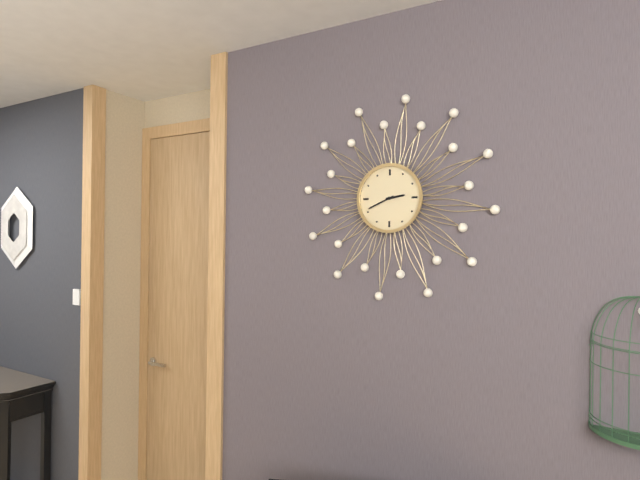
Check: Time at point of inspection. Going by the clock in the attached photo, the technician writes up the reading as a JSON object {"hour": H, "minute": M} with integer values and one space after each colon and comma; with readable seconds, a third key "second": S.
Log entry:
{"hour": 2, "minute": 41}
